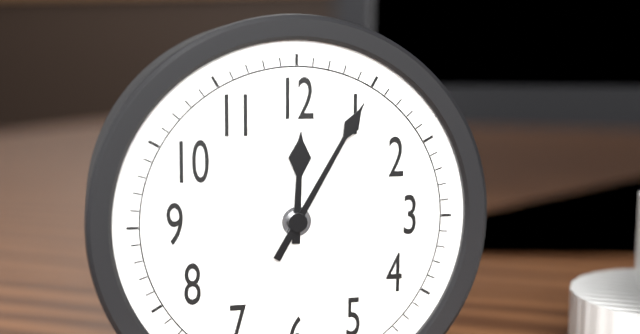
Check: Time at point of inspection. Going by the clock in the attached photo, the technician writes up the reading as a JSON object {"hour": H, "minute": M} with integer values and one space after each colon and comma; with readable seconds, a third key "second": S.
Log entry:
{"hour": 12, "minute": 5}
